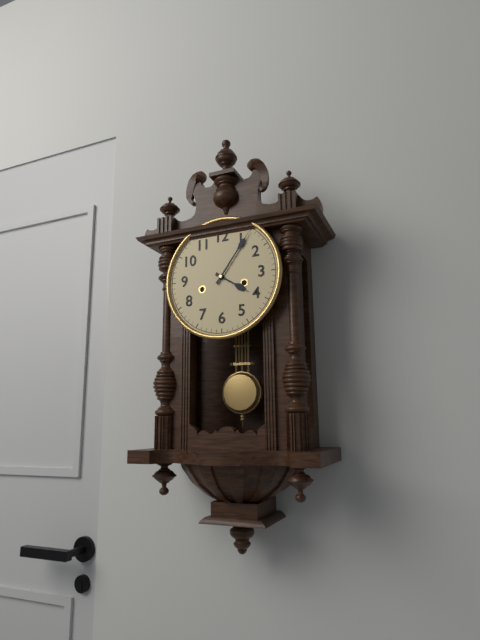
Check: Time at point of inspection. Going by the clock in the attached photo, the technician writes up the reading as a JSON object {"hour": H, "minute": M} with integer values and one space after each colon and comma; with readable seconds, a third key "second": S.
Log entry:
{"hour": 4, "minute": 6}
